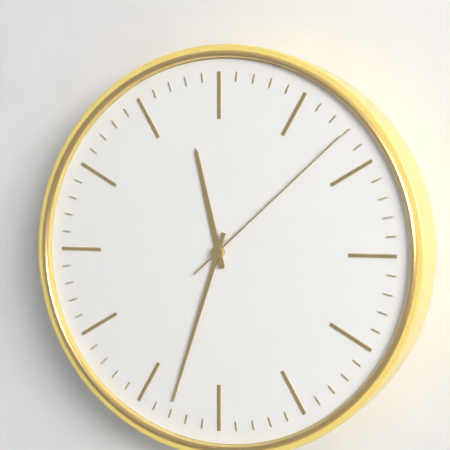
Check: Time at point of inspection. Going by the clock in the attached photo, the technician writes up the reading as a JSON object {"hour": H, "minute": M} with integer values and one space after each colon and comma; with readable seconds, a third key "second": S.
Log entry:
{"hour": 11, "minute": 33, "second": 8}
